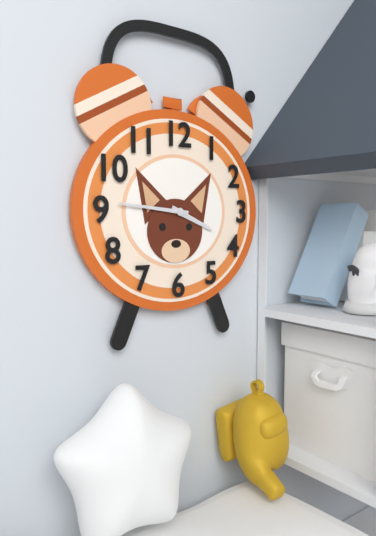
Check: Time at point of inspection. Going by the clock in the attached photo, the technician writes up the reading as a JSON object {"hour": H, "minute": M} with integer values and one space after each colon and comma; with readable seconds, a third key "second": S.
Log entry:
{"hour": 3, "minute": 46}
